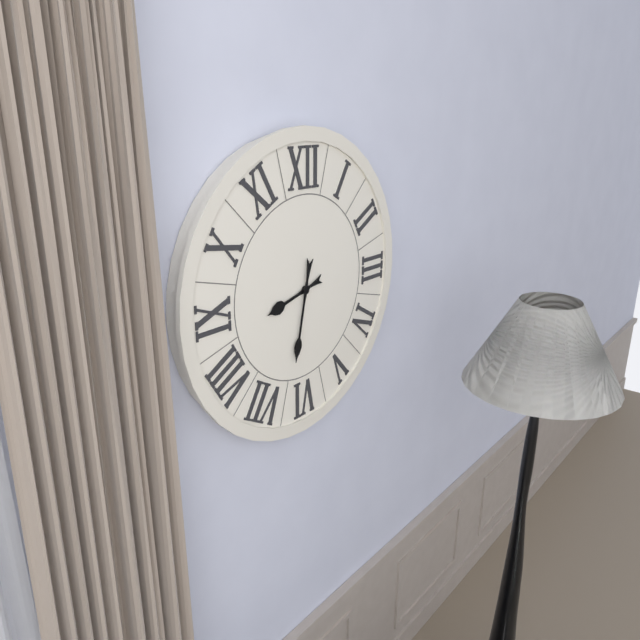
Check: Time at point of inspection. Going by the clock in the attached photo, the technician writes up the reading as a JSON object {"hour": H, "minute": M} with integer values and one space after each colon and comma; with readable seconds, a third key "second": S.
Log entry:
{"hour": 8, "minute": 32}
